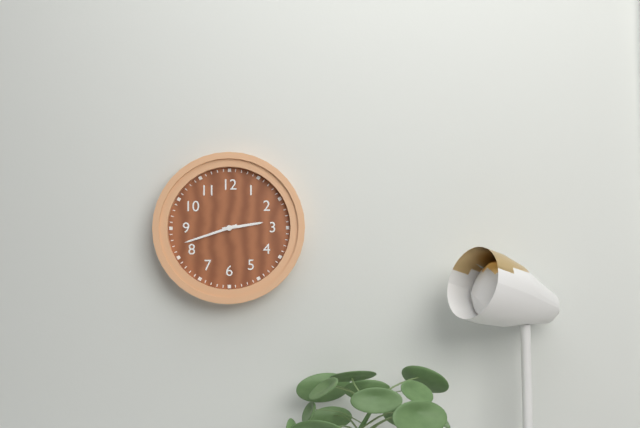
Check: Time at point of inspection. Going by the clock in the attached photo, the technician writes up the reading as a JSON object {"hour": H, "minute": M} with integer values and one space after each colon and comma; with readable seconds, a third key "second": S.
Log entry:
{"hour": 2, "minute": 42}
